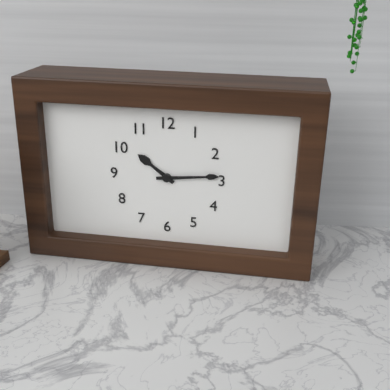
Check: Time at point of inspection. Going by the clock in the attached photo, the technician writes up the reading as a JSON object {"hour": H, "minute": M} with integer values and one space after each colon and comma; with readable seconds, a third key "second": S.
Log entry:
{"hour": 10, "minute": 14}
